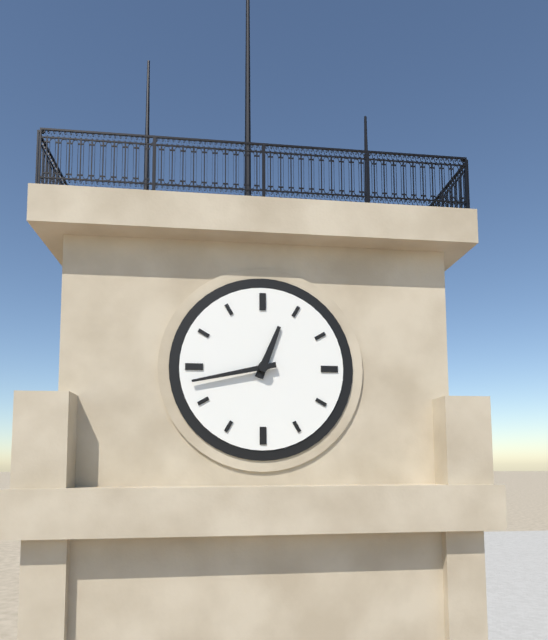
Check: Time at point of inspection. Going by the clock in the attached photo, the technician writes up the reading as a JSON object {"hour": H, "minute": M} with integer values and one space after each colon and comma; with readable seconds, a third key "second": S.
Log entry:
{"hour": 12, "minute": 43}
